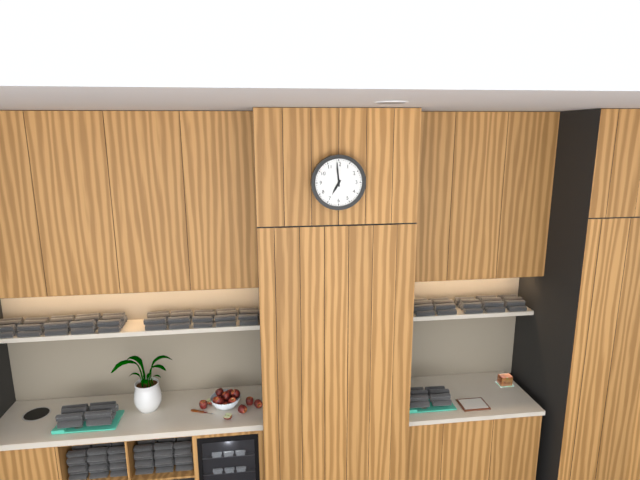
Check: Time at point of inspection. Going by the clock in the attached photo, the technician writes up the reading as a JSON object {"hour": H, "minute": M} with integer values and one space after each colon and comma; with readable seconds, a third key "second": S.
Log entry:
{"hour": 6, "minute": 59}
